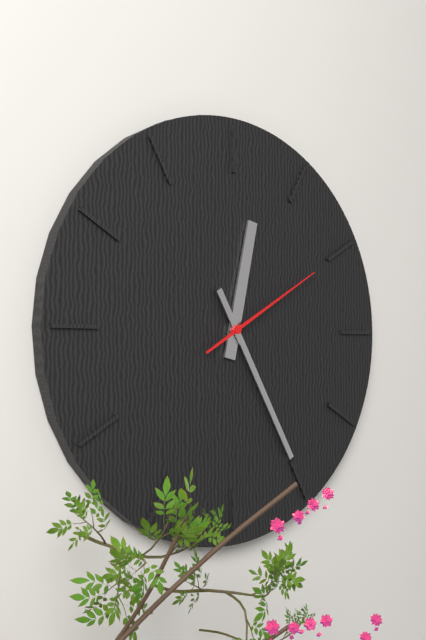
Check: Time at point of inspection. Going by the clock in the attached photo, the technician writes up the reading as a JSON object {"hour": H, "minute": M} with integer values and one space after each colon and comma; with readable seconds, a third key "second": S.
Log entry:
{"hour": 12, "minute": 25, "second": 10}
